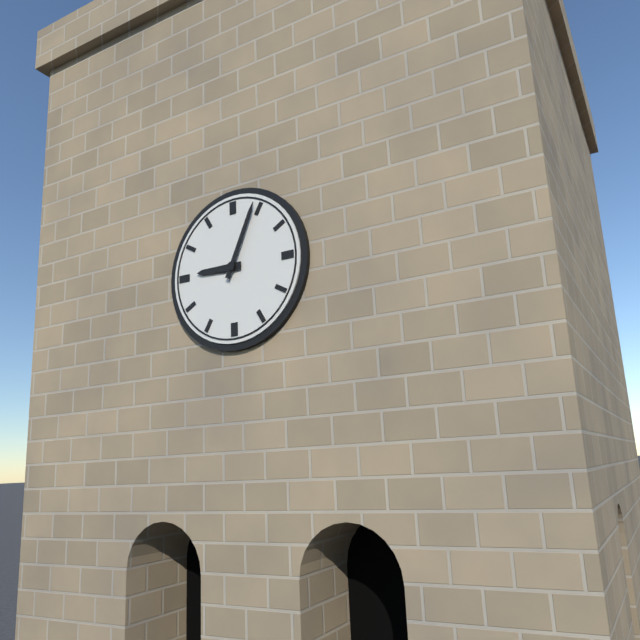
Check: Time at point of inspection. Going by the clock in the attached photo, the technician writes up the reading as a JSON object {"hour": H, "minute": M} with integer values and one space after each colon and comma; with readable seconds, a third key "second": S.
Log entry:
{"hour": 9, "minute": 4}
